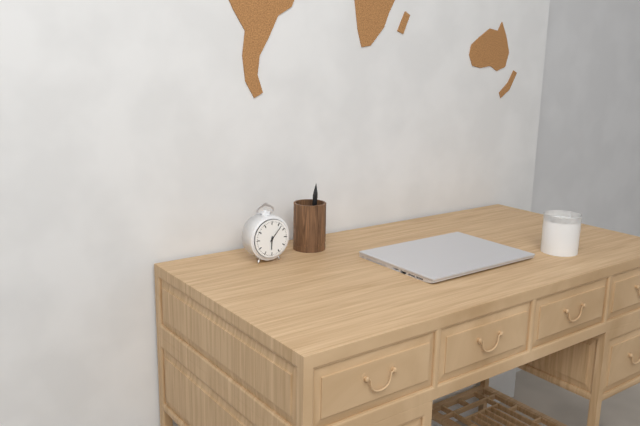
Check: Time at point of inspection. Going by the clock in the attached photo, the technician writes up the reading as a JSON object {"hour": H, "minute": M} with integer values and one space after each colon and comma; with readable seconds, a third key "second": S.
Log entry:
{"hour": 6, "minute": 7}
